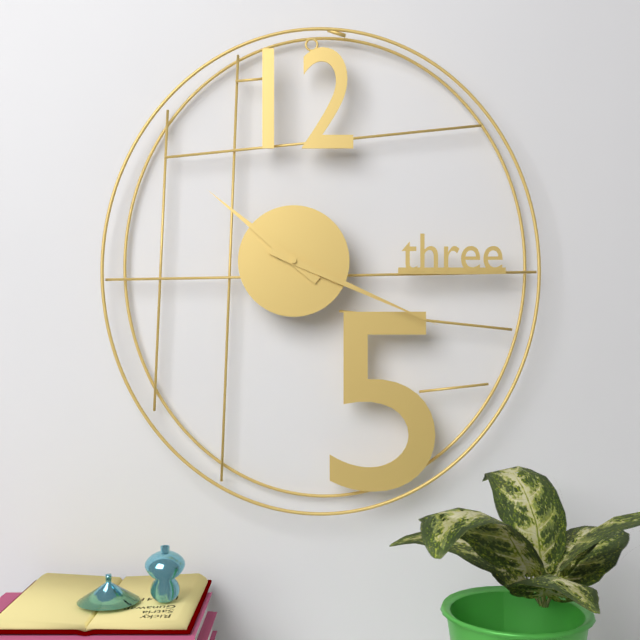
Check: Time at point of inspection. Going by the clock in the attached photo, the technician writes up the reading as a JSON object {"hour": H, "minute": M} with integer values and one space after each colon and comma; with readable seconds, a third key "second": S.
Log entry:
{"hour": 10, "minute": 19}
